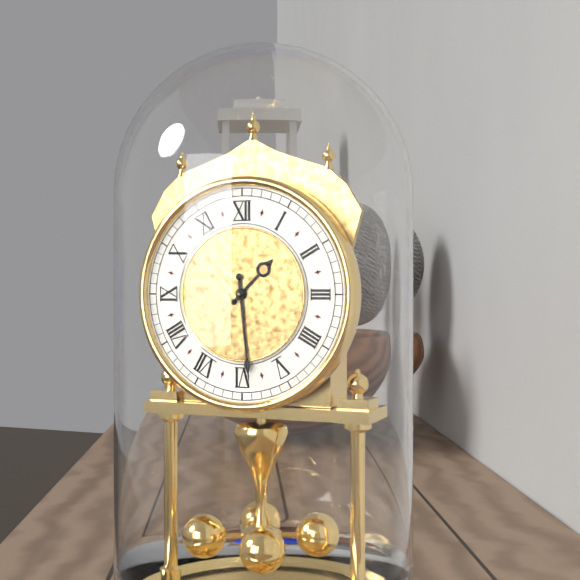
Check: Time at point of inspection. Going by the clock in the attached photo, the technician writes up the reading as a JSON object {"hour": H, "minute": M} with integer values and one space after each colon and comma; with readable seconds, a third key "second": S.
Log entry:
{"hour": 1, "minute": 29}
